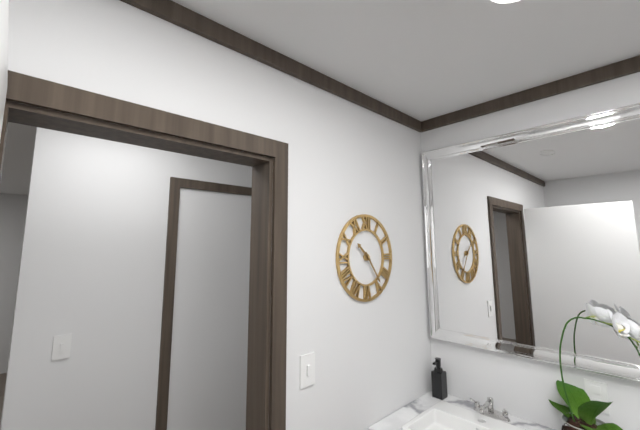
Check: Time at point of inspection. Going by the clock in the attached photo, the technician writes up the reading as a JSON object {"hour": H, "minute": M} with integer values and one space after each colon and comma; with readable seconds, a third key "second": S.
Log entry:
{"hour": 10, "minute": 24}
